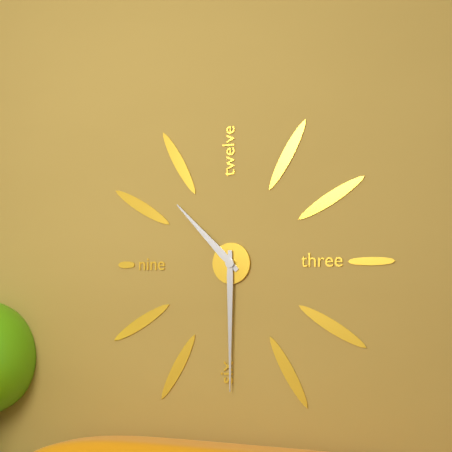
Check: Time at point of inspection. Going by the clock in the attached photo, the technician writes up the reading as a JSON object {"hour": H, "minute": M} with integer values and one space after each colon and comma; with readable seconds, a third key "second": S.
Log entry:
{"hour": 10, "minute": 30}
